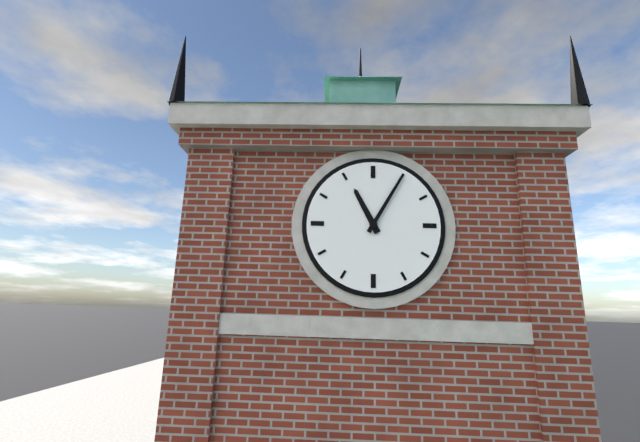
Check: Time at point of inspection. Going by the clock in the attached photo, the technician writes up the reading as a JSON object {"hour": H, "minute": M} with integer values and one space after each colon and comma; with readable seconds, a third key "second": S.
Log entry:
{"hour": 11, "minute": 5}
